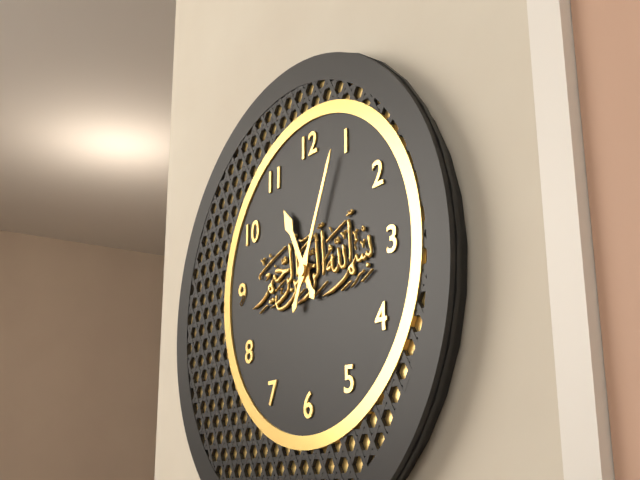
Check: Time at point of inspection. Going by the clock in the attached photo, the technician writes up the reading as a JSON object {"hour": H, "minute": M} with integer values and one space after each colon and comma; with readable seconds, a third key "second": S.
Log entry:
{"hour": 11, "minute": 4}
